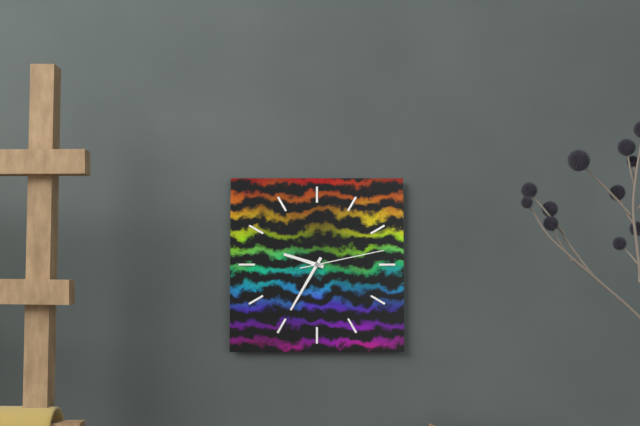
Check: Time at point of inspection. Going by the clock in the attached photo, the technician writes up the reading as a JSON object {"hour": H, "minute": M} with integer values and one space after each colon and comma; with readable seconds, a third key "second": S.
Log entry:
{"hour": 9, "minute": 35, "second": 13}
